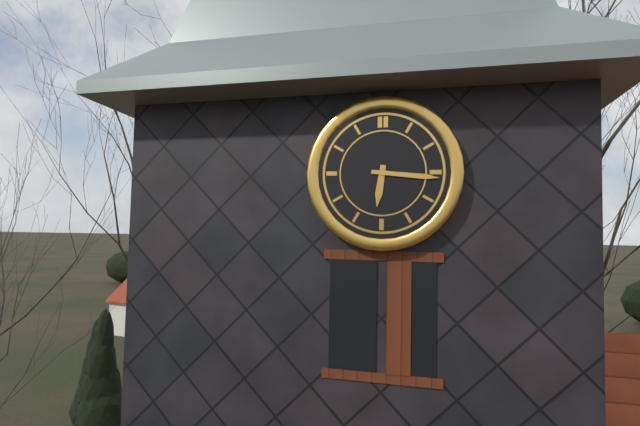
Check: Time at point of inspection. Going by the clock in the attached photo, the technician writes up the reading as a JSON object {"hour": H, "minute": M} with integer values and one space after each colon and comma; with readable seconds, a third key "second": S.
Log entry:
{"hour": 6, "minute": 16}
